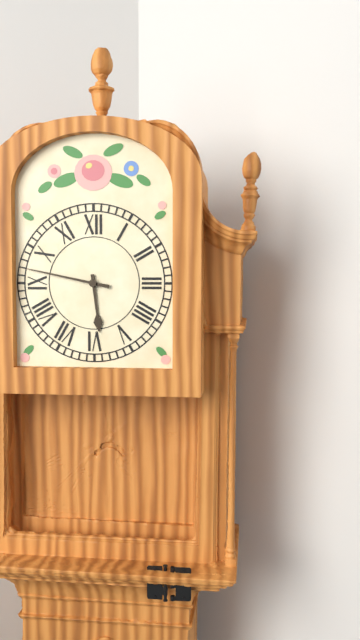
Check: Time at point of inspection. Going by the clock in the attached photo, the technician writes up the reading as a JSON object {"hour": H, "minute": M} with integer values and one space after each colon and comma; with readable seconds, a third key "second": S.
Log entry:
{"hour": 5, "minute": 47}
